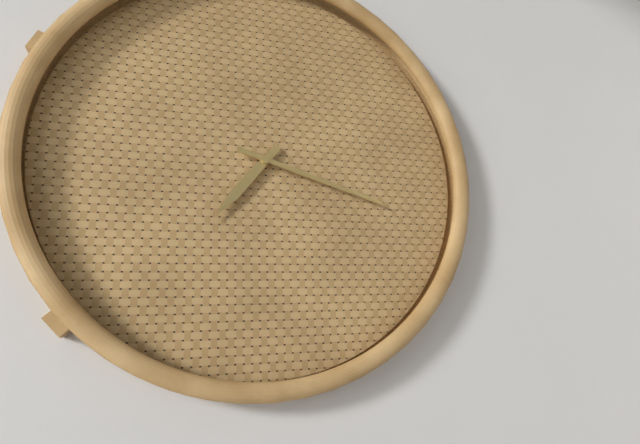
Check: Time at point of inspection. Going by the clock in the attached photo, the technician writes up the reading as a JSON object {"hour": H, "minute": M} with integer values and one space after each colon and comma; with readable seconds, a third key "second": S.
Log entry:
{"hour": 7, "minute": 18}
